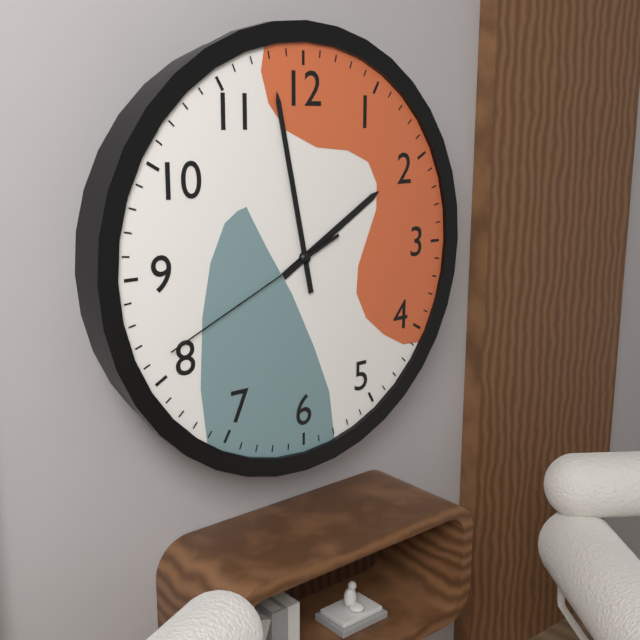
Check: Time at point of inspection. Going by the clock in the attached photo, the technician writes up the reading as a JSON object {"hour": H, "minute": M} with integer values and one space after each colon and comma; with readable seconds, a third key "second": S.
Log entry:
{"hour": 1, "minute": 58, "second": 41}
